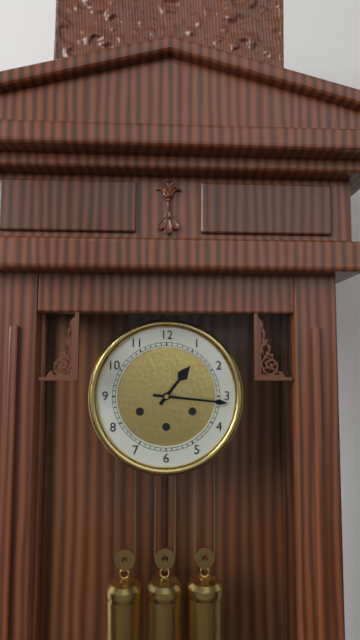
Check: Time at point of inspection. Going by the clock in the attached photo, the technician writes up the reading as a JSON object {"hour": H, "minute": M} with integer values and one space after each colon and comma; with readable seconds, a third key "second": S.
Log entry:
{"hour": 1, "minute": 16}
